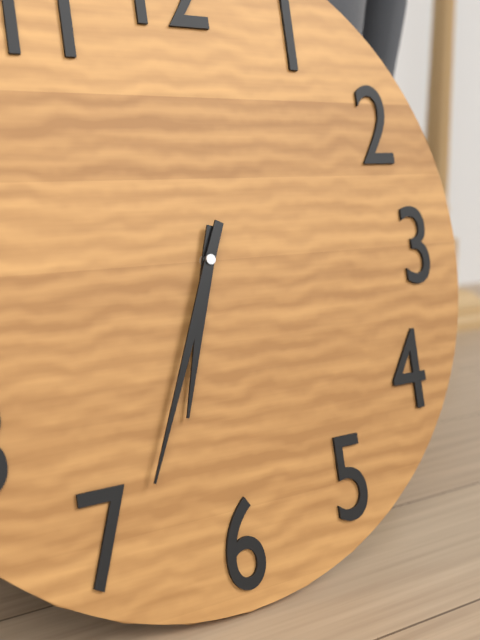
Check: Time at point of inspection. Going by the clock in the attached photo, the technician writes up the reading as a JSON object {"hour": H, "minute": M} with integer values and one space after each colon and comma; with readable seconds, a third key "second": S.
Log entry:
{"hour": 6, "minute": 34}
